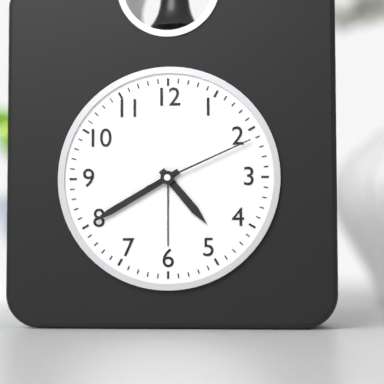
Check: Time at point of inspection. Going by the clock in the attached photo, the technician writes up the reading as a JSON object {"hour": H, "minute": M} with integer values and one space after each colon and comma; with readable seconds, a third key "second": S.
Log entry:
{"hour": 4, "minute": 40, "second": 11}
